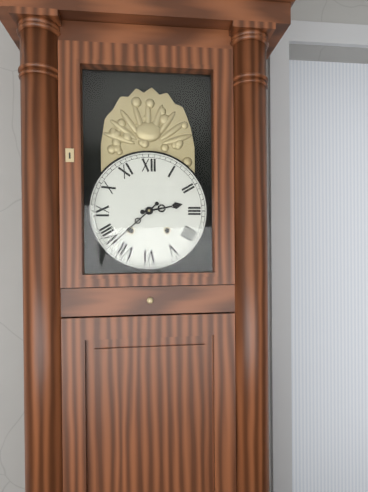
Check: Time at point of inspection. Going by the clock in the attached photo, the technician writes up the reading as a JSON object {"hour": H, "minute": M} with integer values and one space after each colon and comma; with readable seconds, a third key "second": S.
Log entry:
{"hour": 2, "minute": 38}
